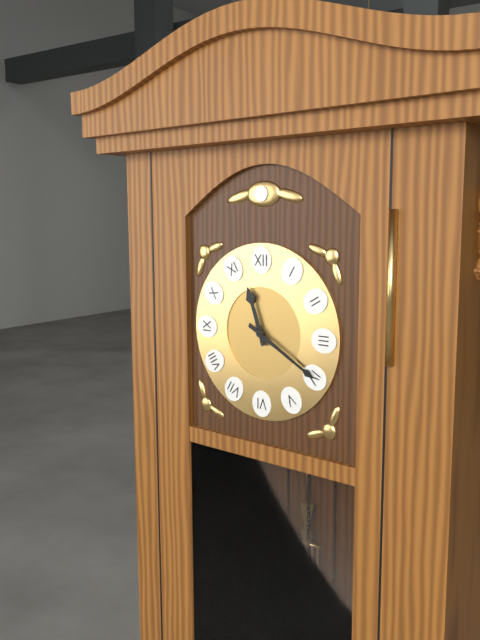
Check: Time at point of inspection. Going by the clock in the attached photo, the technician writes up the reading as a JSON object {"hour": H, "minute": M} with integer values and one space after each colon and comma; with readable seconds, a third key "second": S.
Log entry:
{"hour": 11, "minute": 20}
